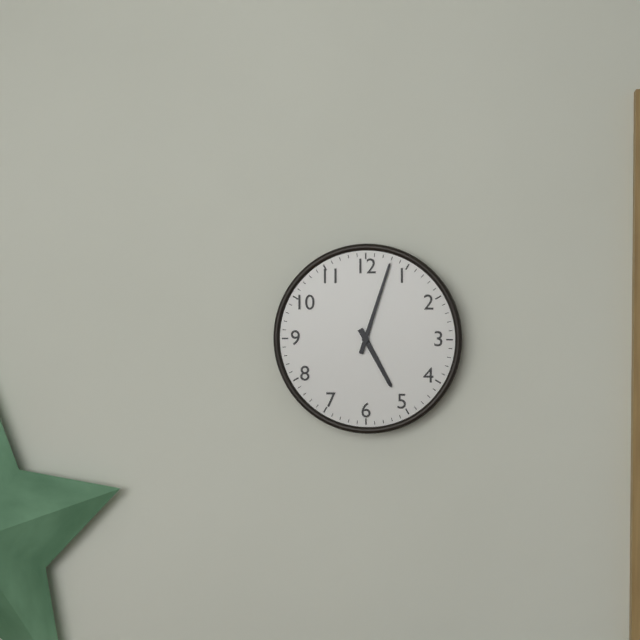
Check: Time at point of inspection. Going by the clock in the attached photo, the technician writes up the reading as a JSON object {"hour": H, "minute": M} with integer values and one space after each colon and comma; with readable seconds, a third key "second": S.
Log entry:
{"hour": 5, "minute": 3}
